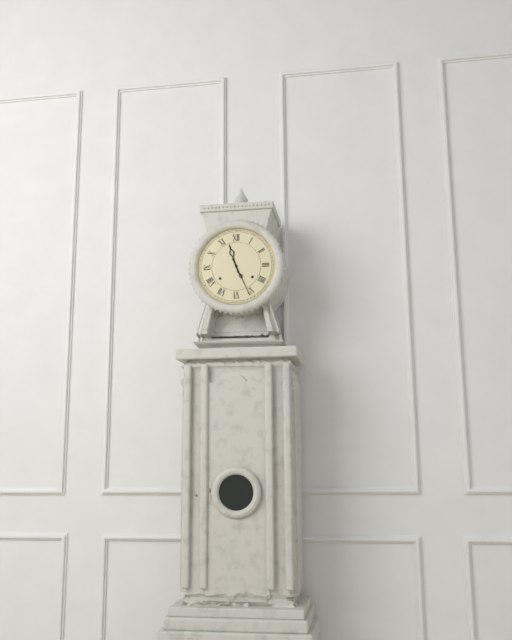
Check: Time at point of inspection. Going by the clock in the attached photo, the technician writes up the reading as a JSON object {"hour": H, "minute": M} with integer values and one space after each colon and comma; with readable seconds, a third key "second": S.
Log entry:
{"hour": 11, "minute": 26}
